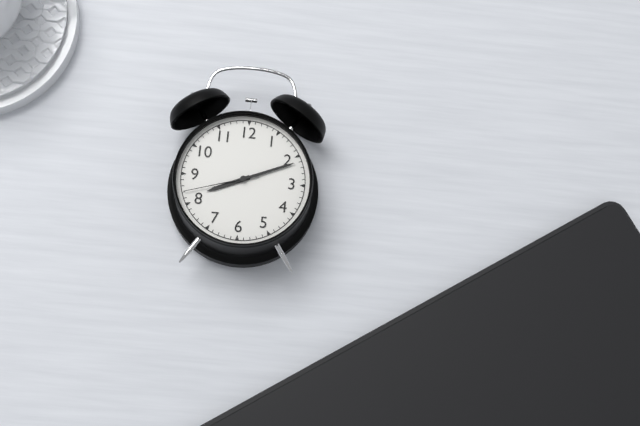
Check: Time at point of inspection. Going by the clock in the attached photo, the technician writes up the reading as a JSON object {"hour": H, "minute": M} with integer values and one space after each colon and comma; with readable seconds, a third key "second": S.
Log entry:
{"hour": 8, "minute": 11, "second": 42}
